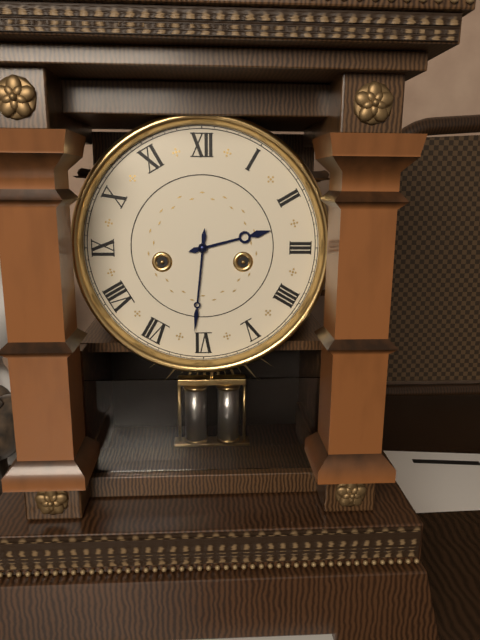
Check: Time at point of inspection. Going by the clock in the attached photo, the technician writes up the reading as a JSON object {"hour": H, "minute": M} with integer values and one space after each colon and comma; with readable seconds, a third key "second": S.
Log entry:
{"hour": 2, "minute": 31}
